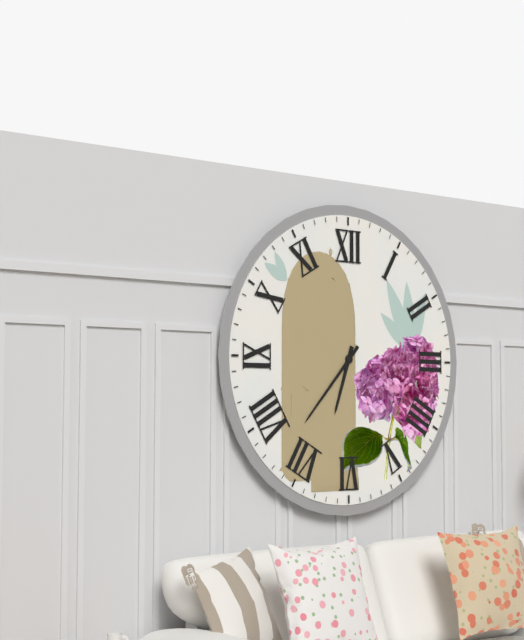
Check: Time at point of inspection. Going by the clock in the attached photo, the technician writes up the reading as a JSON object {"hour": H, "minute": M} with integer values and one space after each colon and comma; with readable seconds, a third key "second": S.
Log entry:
{"hour": 6, "minute": 37}
